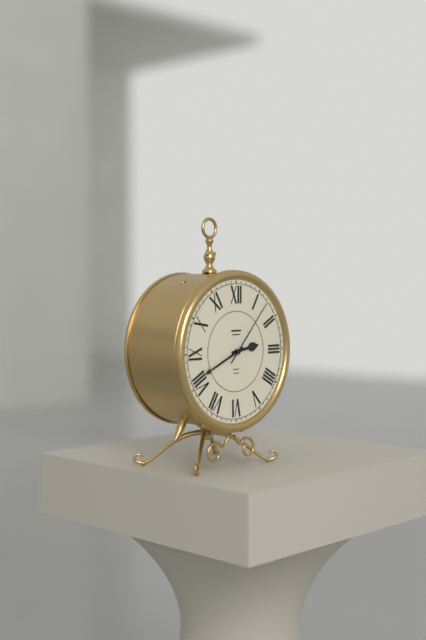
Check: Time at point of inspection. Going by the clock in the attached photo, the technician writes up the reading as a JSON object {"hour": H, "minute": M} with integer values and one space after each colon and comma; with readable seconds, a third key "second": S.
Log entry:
{"hour": 2, "minute": 41, "second": 7}
